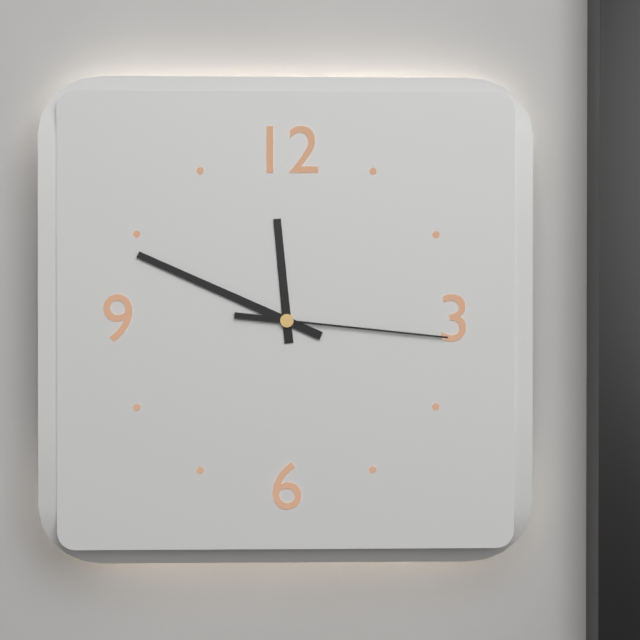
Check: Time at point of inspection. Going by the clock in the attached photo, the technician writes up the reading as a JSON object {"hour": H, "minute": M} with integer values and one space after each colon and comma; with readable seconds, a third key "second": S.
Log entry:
{"hour": 11, "minute": 49, "second": 16}
